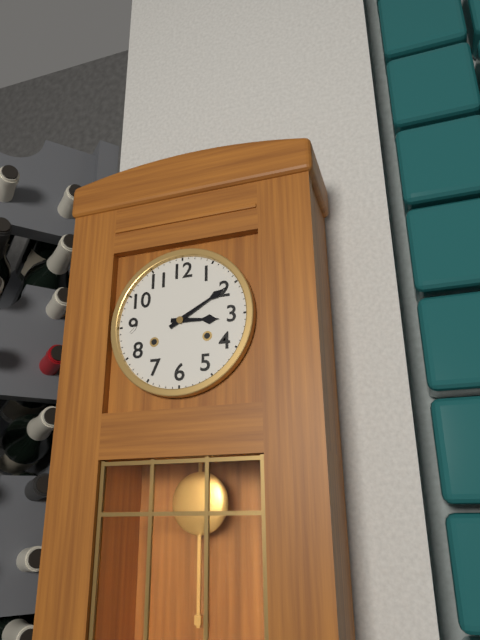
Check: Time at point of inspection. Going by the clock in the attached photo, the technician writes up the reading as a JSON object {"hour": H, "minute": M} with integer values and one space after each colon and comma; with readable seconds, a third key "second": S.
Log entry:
{"hour": 3, "minute": 10}
